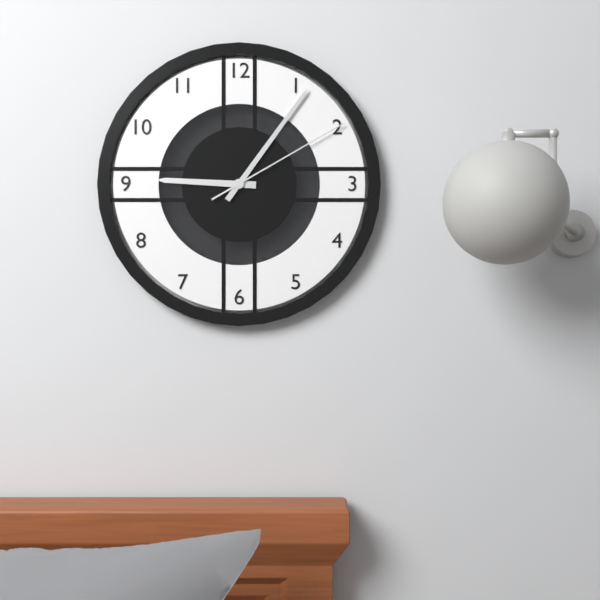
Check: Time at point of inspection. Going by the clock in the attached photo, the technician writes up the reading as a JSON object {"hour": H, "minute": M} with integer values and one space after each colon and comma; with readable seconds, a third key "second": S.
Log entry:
{"hour": 9, "minute": 6, "second": 10}
